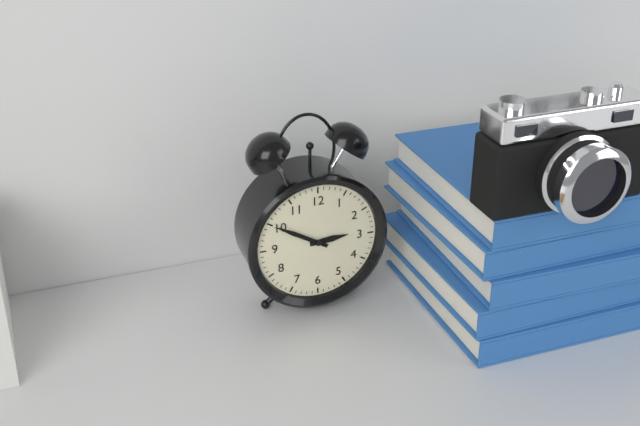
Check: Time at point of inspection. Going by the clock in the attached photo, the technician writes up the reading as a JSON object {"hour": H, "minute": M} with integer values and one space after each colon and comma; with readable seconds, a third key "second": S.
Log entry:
{"hour": 2, "minute": 50}
